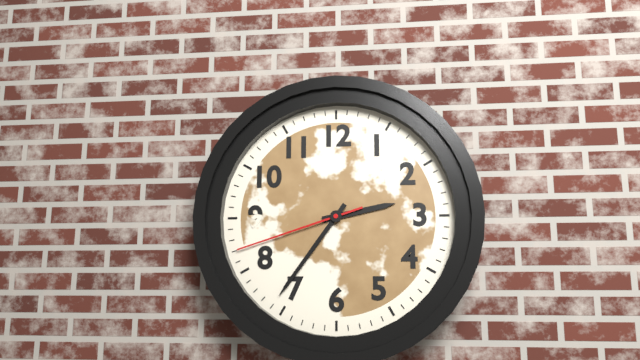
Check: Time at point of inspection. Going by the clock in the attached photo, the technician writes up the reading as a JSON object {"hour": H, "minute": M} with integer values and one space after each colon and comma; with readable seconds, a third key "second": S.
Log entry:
{"hour": 2, "minute": 36, "second": 42}
